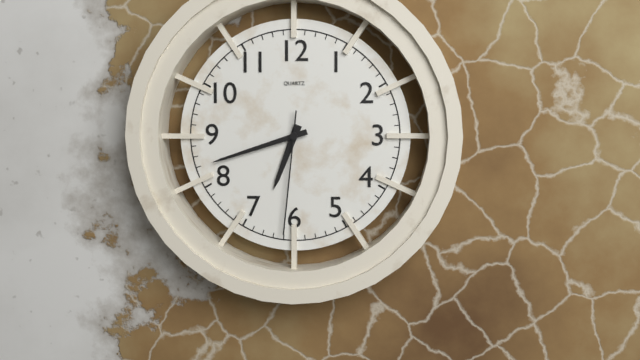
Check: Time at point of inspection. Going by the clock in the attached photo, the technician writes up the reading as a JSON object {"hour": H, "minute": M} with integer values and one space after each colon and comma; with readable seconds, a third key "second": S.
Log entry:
{"hour": 6, "minute": 42, "second": 31}
